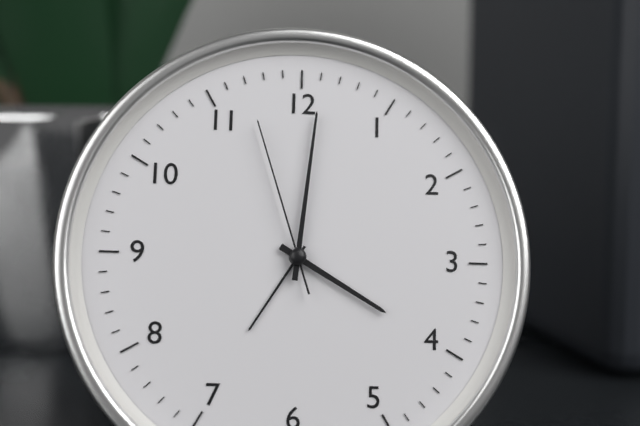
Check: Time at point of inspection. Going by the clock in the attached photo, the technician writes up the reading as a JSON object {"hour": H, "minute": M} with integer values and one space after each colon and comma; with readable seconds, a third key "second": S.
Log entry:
{"hour": 4, "minute": 1, "second": 57}
